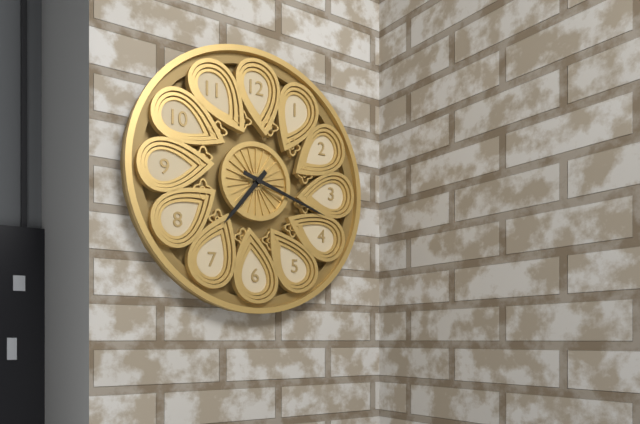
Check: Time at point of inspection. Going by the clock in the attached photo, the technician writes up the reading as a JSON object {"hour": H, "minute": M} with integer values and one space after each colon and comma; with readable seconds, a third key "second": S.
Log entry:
{"hour": 7, "minute": 18}
